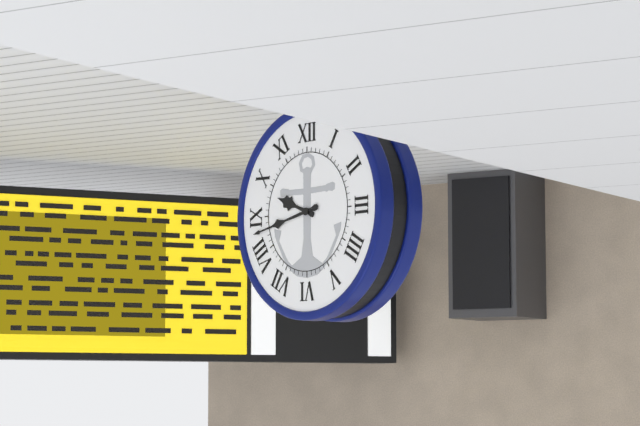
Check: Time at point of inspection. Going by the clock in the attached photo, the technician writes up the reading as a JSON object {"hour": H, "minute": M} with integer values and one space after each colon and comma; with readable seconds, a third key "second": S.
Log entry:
{"hour": 9, "minute": 43}
